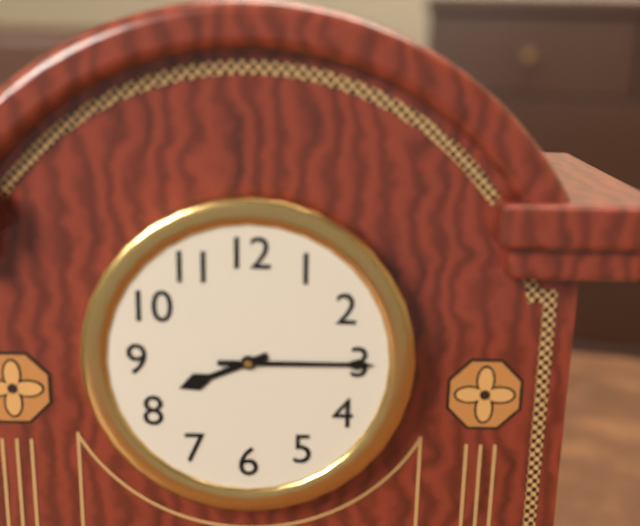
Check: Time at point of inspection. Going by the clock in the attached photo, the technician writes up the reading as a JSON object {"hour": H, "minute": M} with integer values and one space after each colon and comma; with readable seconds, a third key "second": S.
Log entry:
{"hour": 8, "minute": 15}
